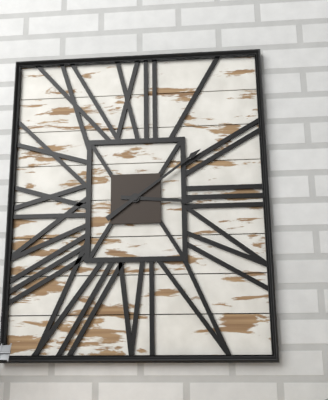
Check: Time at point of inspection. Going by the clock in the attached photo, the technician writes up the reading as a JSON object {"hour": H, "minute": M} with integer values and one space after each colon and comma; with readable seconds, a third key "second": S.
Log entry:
{"hour": 3, "minute": 9}
